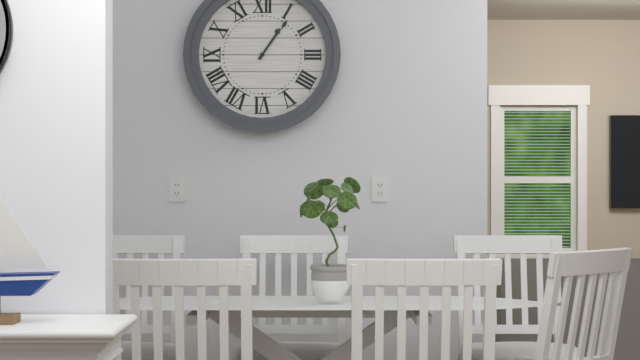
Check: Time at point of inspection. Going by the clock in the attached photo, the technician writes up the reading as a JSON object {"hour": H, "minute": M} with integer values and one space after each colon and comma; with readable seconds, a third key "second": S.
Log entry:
{"hour": 1, "minute": 6}
